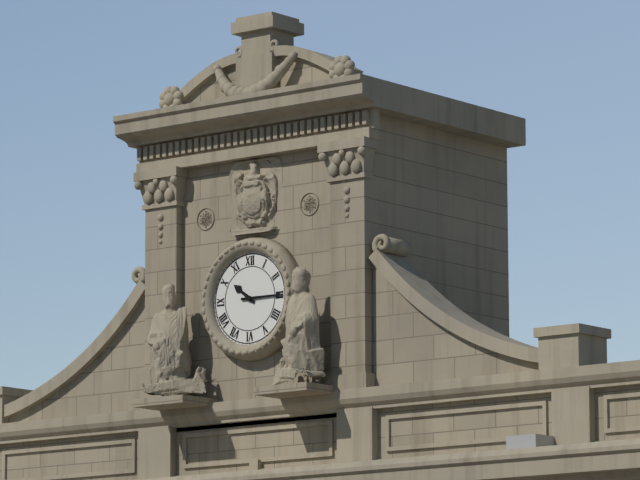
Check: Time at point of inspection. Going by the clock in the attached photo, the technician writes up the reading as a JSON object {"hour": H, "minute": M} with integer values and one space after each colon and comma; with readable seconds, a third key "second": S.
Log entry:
{"hour": 10, "minute": 15}
